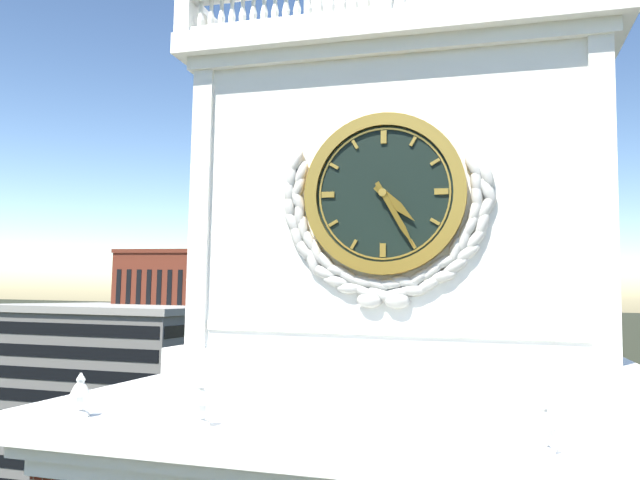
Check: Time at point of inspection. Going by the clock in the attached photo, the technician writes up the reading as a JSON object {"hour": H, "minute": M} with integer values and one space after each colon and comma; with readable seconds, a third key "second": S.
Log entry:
{"hour": 4, "minute": 25}
